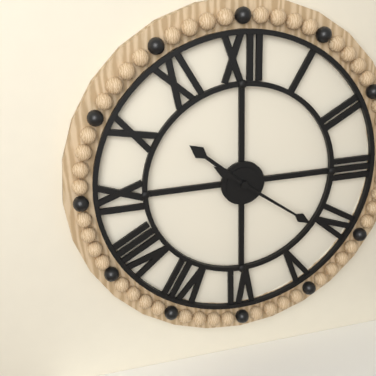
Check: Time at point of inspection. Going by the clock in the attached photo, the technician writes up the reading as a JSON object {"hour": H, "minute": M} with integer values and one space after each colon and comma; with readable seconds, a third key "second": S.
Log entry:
{"hour": 10, "minute": 21}
